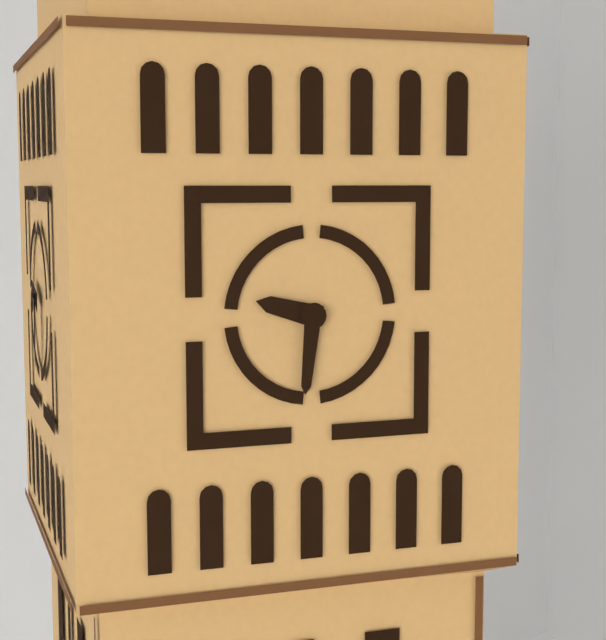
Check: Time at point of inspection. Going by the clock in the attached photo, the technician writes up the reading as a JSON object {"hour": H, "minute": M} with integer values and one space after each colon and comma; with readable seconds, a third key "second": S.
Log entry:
{"hour": 9, "minute": 31}
